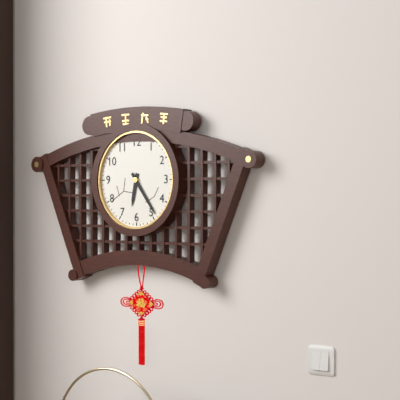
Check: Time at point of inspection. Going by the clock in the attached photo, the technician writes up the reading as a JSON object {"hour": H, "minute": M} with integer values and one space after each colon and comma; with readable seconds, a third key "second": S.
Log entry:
{"hour": 6, "minute": 24}
